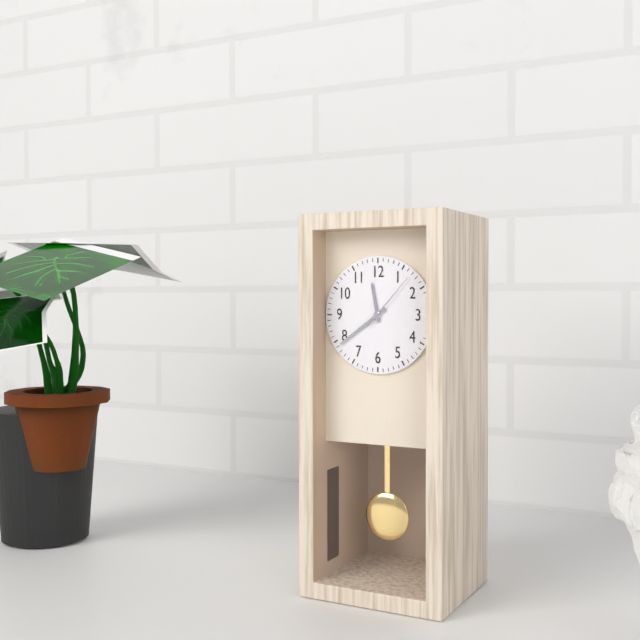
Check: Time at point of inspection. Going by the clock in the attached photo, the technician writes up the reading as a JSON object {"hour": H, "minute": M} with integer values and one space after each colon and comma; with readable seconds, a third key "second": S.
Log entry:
{"hour": 11, "minute": 39, "second": 7}
